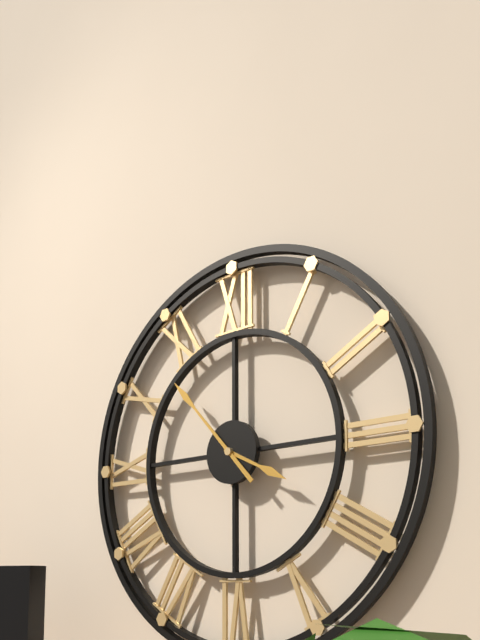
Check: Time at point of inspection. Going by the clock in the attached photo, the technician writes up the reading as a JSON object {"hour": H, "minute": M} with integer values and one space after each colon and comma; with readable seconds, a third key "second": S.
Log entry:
{"hour": 3, "minute": 53}
